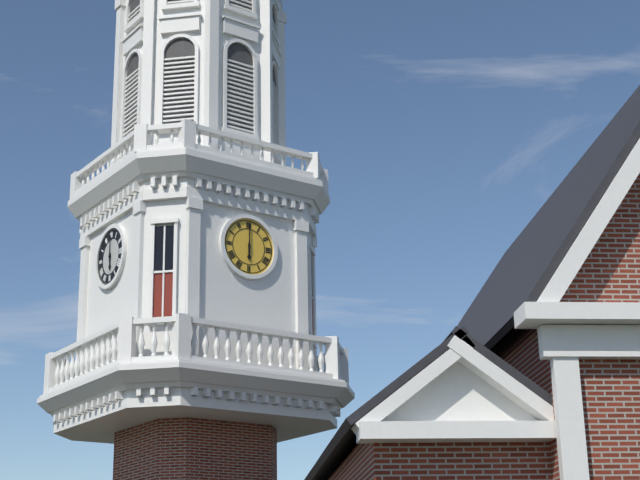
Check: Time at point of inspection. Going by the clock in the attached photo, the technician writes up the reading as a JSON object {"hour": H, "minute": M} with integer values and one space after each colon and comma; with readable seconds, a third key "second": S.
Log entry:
{"hour": 6, "minute": 0}
